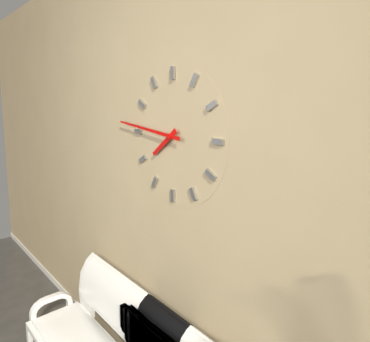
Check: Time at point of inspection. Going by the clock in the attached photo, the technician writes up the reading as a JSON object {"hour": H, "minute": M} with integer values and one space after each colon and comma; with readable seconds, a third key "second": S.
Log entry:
{"hour": 7, "minute": 46}
